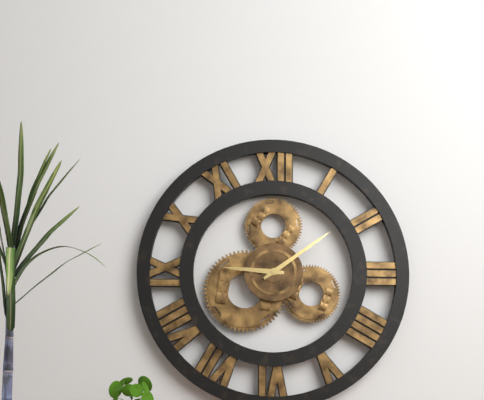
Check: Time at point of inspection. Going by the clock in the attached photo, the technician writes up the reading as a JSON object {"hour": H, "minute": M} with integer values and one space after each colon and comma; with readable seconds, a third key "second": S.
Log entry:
{"hour": 9, "minute": 9}
